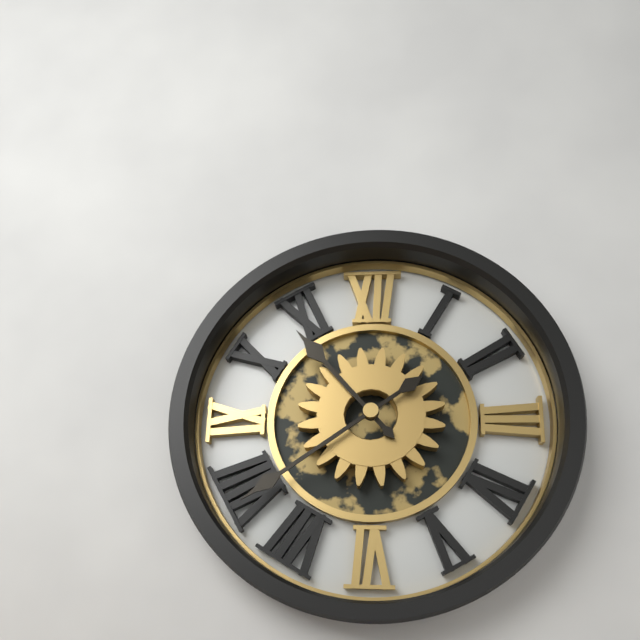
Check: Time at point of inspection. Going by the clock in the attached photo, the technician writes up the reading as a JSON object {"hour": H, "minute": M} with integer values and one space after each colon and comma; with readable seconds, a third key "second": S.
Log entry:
{"hour": 10, "minute": 39}
